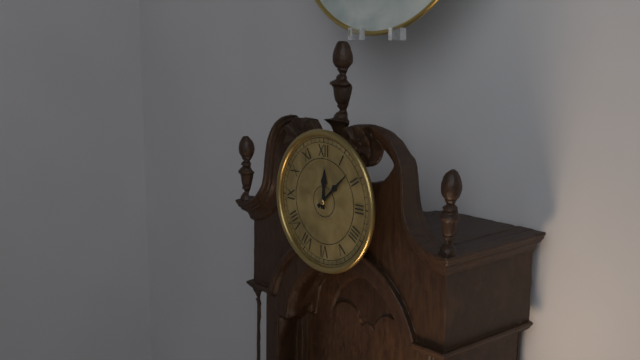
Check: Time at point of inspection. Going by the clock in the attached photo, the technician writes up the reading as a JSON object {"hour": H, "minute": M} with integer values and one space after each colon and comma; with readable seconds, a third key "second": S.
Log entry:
{"hour": 12, "minute": 8}
